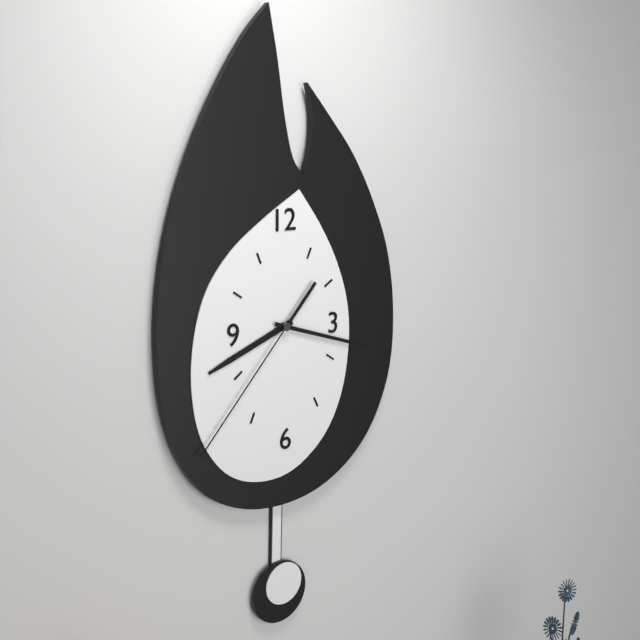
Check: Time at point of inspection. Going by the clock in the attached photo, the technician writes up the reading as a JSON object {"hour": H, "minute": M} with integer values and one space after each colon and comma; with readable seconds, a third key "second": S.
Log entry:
{"hour": 8, "minute": 18, "second": 37}
